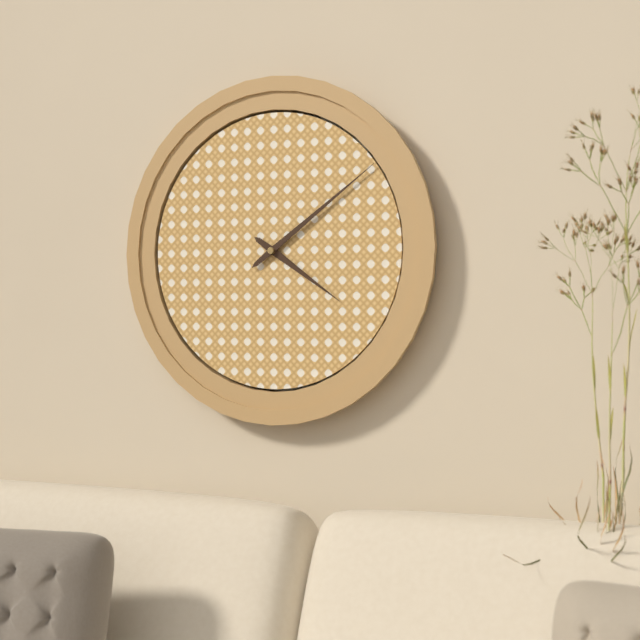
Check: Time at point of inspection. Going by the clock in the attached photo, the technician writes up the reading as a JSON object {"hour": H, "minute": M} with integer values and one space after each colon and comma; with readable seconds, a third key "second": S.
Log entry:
{"hour": 4, "minute": 9}
